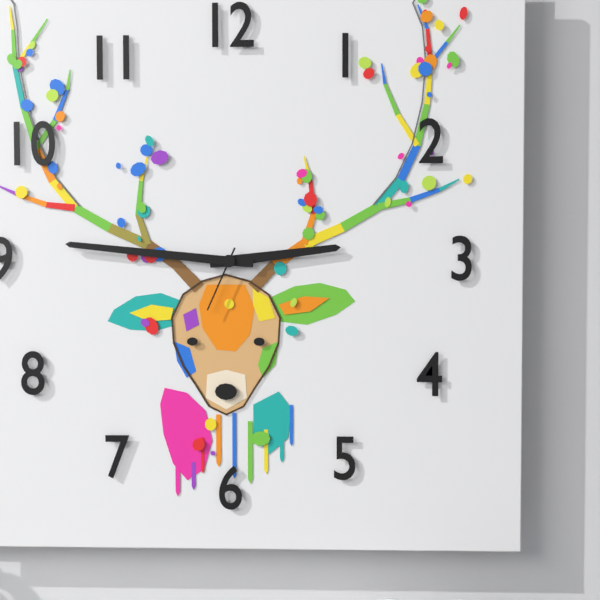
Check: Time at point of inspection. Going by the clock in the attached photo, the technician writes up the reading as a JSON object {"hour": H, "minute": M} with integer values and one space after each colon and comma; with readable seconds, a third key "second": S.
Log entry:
{"hour": 2, "minute": 46, "second": 34}
